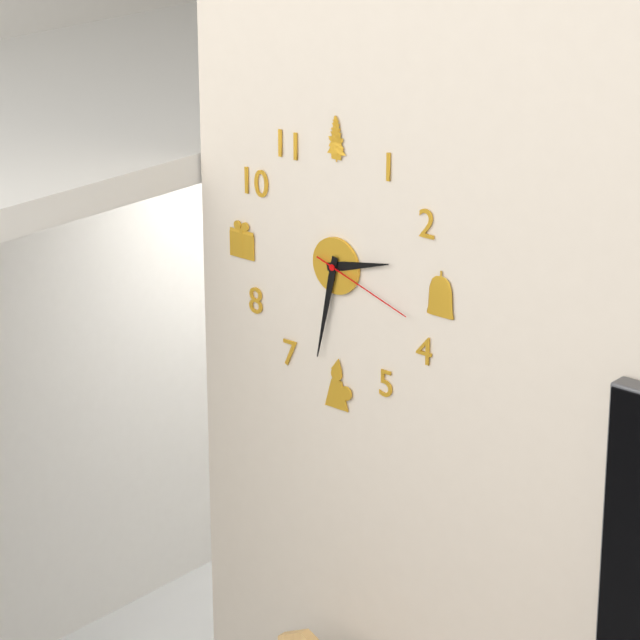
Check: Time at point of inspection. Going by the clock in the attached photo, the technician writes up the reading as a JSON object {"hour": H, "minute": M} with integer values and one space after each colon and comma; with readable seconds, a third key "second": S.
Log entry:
{"hour": 2, "minute": 32, "second": 18}
